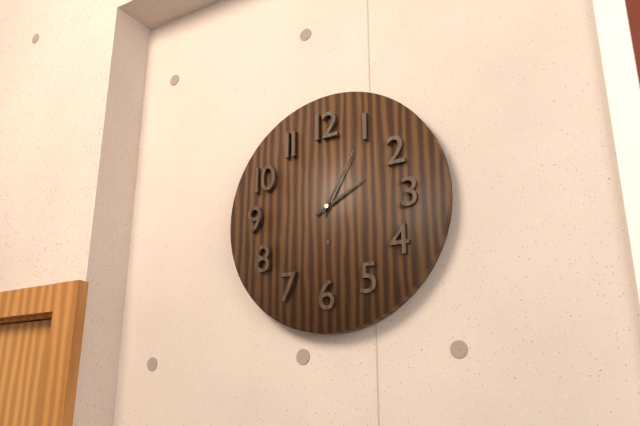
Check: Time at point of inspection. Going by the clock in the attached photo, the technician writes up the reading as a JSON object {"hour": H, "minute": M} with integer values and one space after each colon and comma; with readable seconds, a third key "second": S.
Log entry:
{"hour": 2, "minute": 5}
